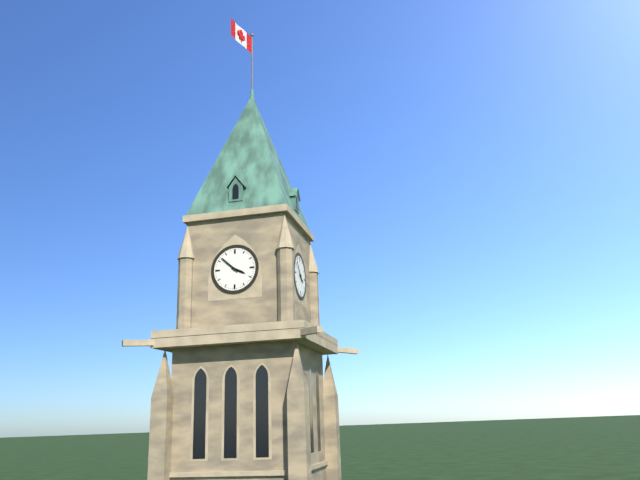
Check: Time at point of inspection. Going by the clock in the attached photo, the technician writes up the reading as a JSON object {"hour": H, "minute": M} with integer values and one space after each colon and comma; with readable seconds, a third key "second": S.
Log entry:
{"hour": 3, "minute": 52}
